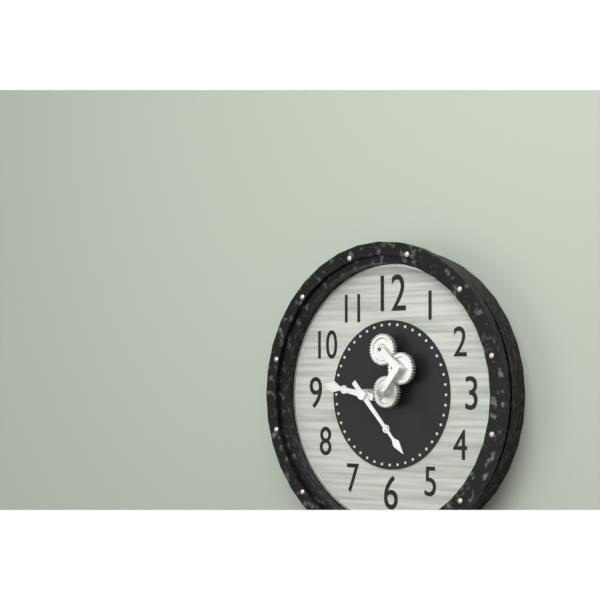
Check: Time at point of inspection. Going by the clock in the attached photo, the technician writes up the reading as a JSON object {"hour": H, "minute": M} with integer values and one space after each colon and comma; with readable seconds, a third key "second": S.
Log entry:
{"hour": 9, "minute": 23}
